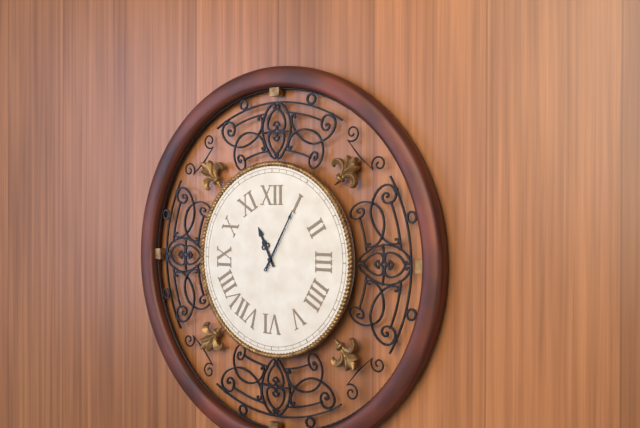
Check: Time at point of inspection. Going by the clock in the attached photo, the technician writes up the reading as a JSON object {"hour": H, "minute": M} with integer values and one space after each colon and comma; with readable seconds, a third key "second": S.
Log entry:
{"hour": 11, "minute": 5}
